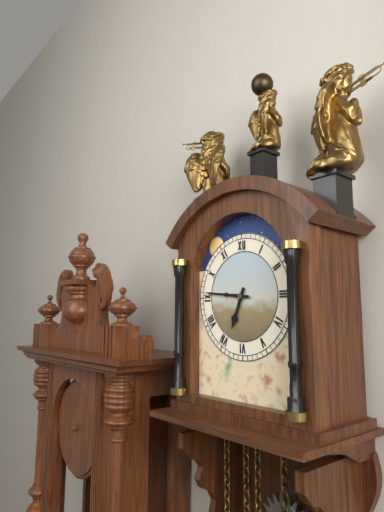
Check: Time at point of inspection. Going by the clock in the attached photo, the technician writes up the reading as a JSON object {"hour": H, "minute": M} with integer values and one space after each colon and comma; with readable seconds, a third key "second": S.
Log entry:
{"hour": 6, "minute": 46}
